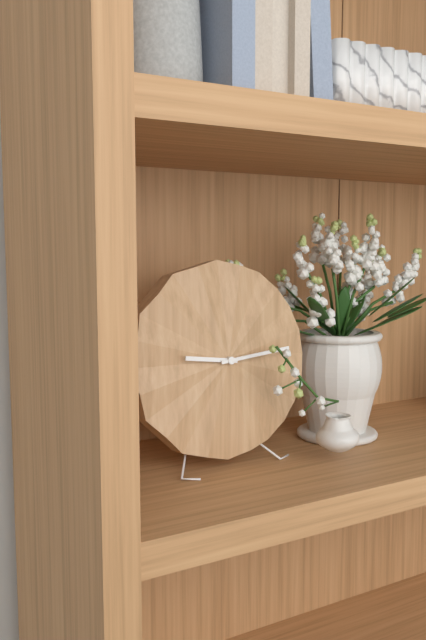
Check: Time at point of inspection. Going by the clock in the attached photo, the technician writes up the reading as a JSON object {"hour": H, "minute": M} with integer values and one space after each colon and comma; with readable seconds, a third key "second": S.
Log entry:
{"hour": 9, "minute": 14}
